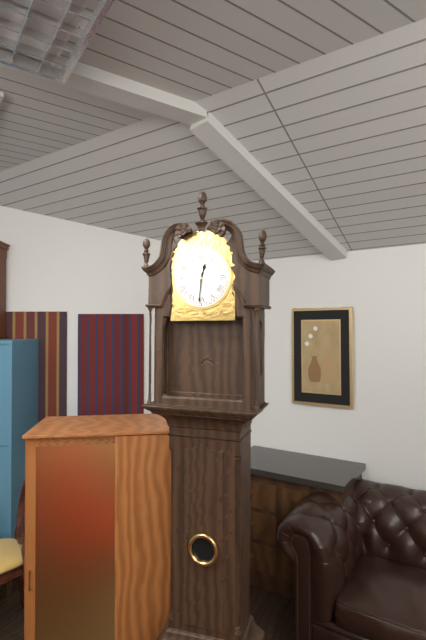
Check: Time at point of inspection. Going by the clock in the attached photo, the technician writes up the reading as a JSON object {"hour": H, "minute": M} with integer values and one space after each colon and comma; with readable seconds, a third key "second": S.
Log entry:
{"hour": 12, "minute": 31}
